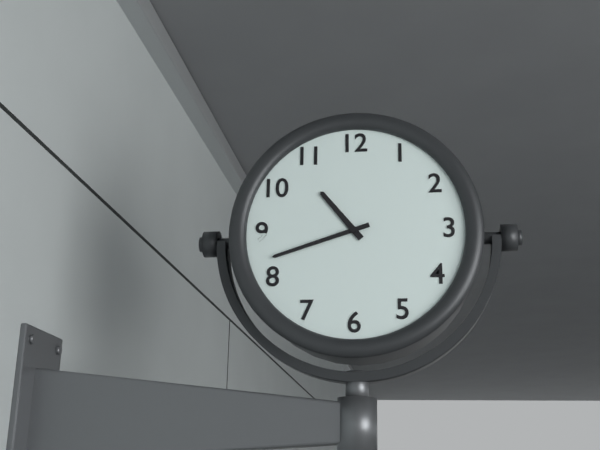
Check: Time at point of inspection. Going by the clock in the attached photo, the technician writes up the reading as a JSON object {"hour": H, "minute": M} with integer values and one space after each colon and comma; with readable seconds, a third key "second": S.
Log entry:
{"hour": 10, "minute": 42}
